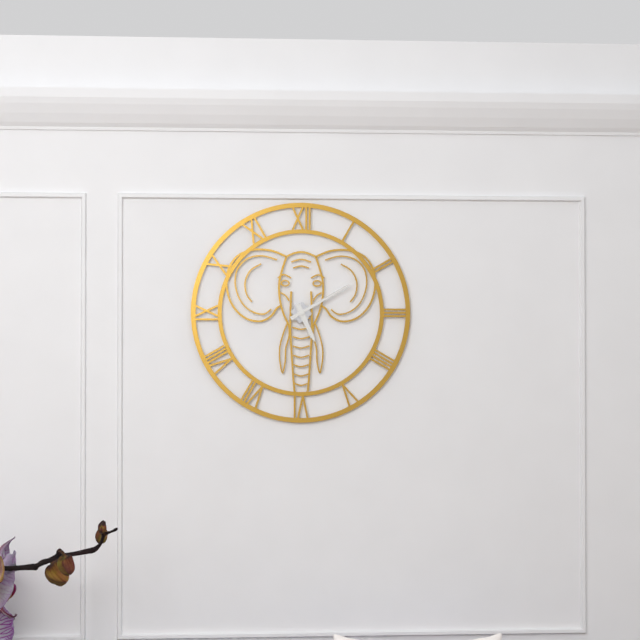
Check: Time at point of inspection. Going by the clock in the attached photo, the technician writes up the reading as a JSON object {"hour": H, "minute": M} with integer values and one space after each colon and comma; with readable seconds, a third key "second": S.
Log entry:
{"hour": 5, "minute": 10}
